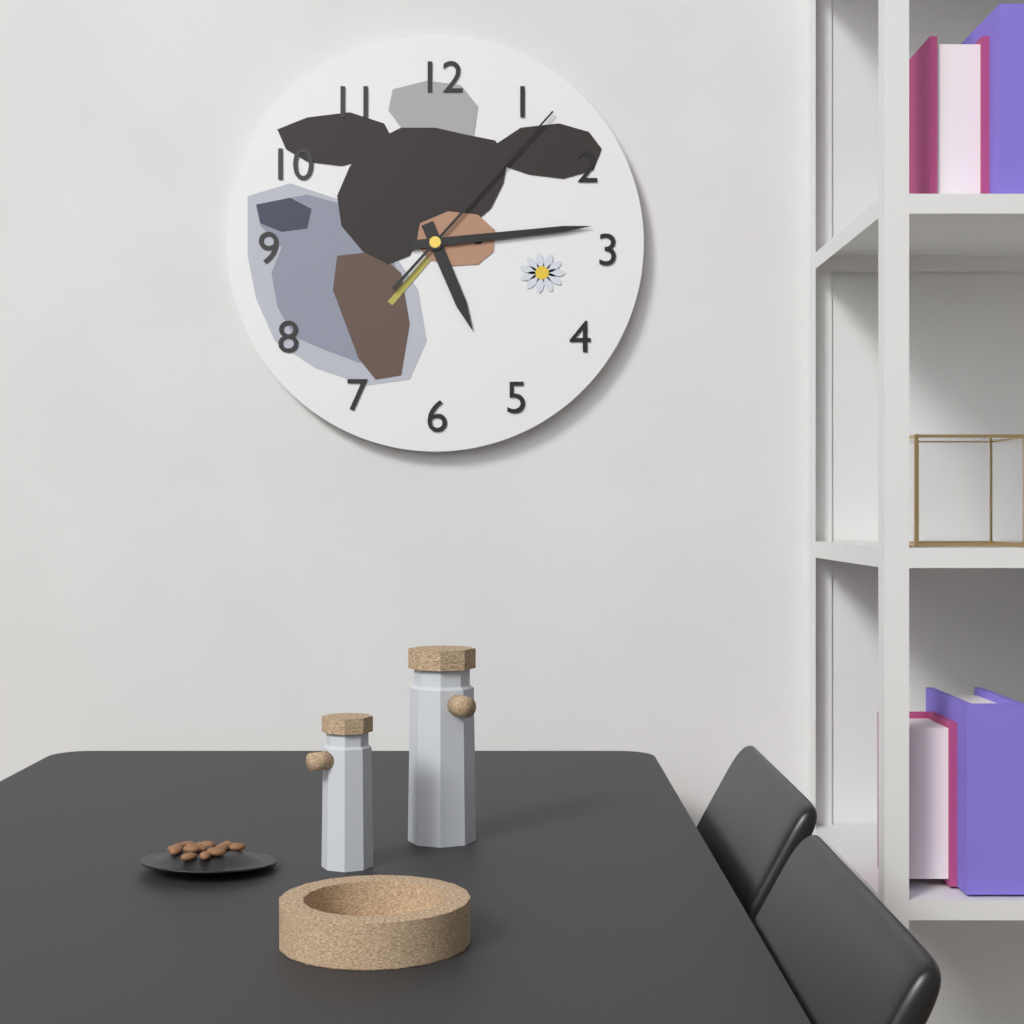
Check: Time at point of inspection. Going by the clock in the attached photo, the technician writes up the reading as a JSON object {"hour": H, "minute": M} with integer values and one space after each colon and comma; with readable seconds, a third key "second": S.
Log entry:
{"hour": 5, "minute": 14, "second": 7}
